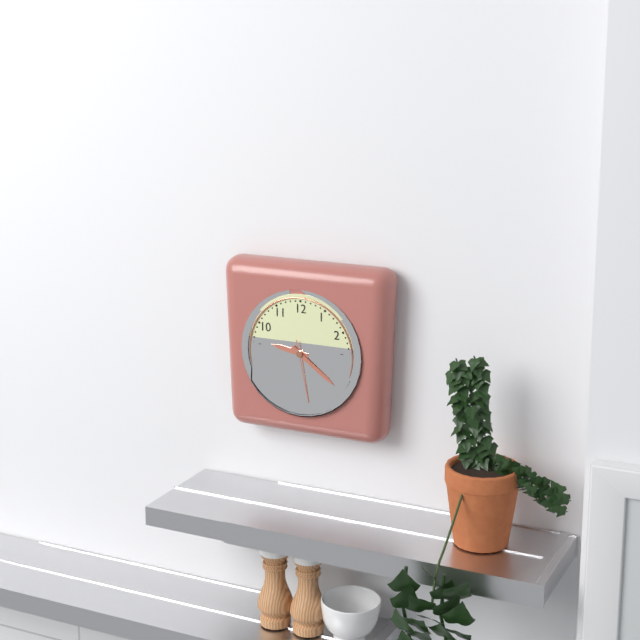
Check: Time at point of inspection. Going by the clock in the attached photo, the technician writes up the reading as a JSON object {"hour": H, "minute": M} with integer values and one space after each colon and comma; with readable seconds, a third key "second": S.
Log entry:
{"hour": 9, "minute": 21, "second": 28}
